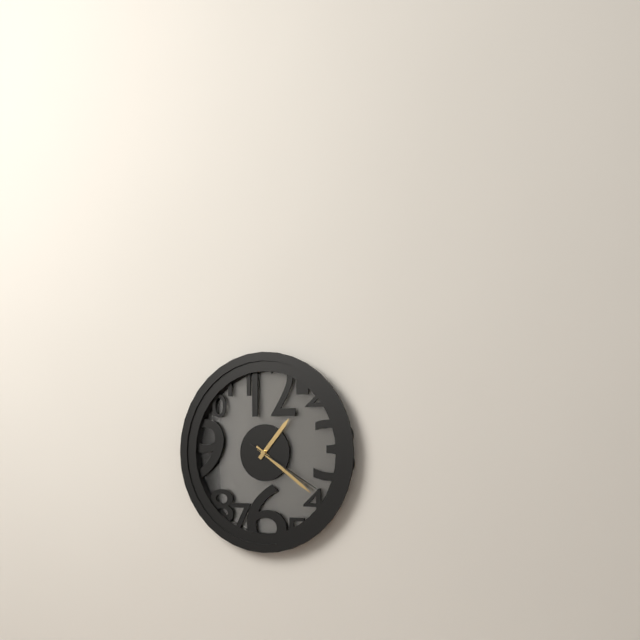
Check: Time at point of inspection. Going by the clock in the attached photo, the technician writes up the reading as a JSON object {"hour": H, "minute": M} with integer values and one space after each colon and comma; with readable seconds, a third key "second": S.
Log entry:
{"hour": 1, "minute": 21, "second": 20}
